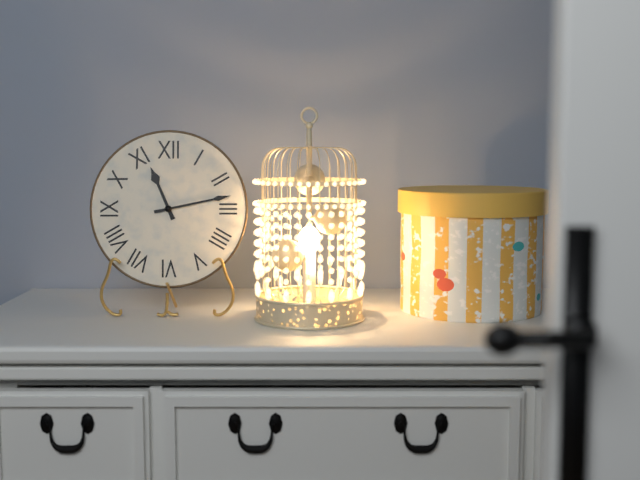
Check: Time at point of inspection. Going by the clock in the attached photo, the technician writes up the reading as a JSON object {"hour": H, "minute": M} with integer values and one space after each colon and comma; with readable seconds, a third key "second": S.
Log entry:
{"hour": 11, "minute": 13}
